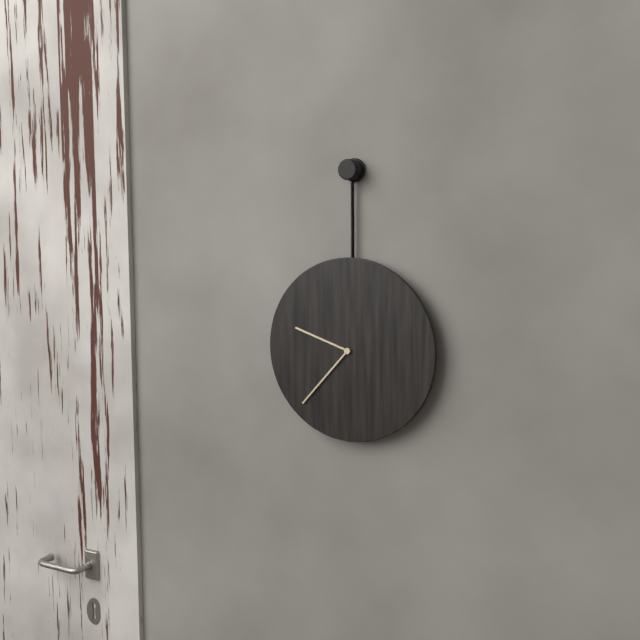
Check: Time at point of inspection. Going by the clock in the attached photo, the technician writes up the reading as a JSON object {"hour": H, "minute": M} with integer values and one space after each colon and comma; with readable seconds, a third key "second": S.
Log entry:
{"hour": 9, "minute": 37}
